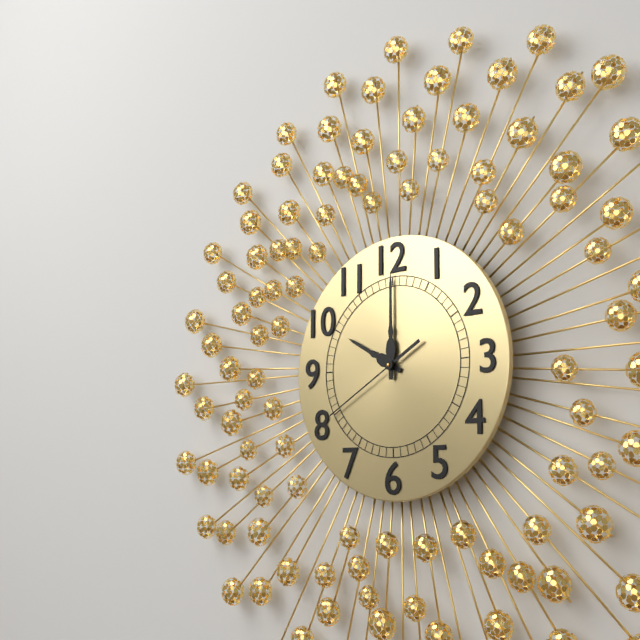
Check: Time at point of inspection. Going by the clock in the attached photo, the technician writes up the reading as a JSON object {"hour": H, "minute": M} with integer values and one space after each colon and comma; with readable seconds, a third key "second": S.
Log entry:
{"hour": 10, "minute": 0, "second": 40}
